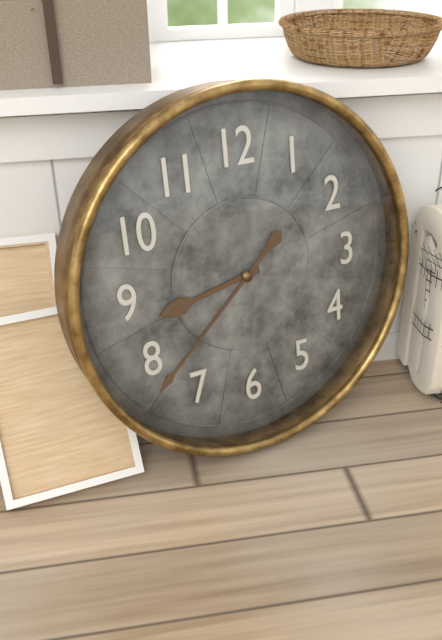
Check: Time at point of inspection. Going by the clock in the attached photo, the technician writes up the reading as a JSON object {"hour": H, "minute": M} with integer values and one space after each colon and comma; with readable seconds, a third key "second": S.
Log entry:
{"hour": 8, "minute": 38}
